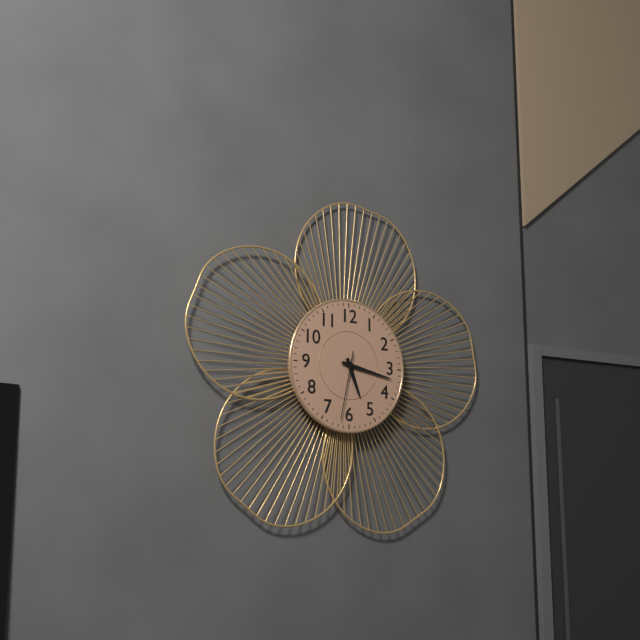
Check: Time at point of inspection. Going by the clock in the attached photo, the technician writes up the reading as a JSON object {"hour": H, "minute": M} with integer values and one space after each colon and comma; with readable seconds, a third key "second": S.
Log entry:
{"hour": 5, "minute": 17, "second": 32}
